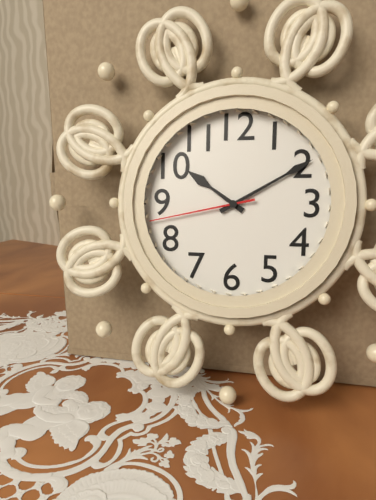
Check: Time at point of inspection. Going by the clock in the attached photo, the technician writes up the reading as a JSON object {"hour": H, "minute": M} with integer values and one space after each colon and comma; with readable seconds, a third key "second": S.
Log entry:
{"hour": 10, "minute": 10, "second": 43}
